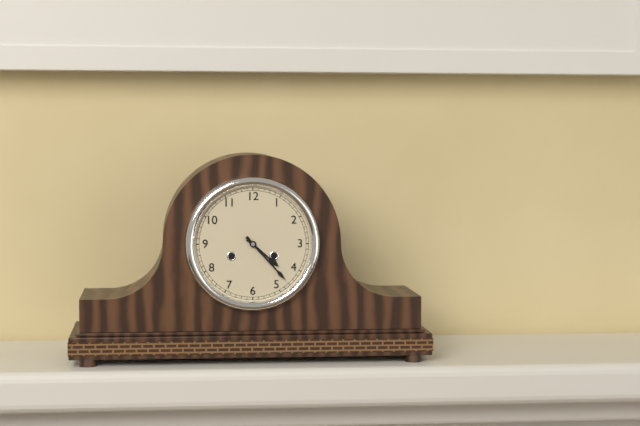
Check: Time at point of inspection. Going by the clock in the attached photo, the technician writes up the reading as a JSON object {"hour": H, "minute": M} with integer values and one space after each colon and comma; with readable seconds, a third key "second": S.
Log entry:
{"hour": 4, "minute": 23}
